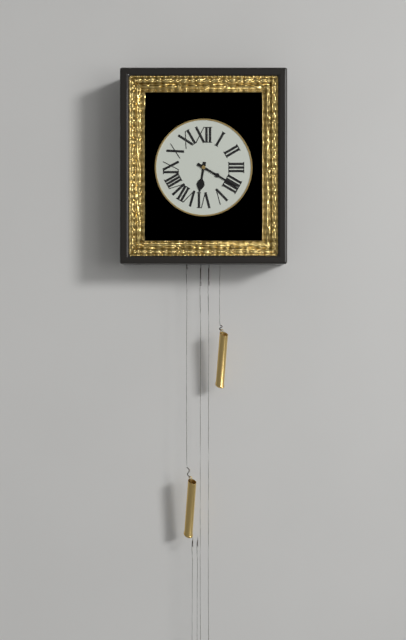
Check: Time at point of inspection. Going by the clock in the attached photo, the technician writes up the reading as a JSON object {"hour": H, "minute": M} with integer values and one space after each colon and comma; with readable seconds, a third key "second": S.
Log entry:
{"hour": 6, "minute": 20}
